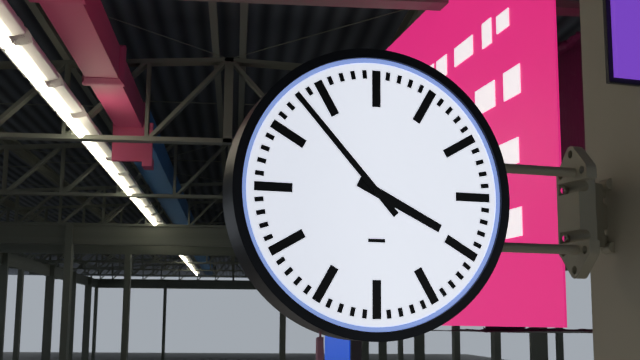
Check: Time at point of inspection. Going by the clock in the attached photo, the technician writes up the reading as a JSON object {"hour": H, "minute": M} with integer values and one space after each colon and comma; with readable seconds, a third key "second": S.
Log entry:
{"hour": 3, "minute": 53}
